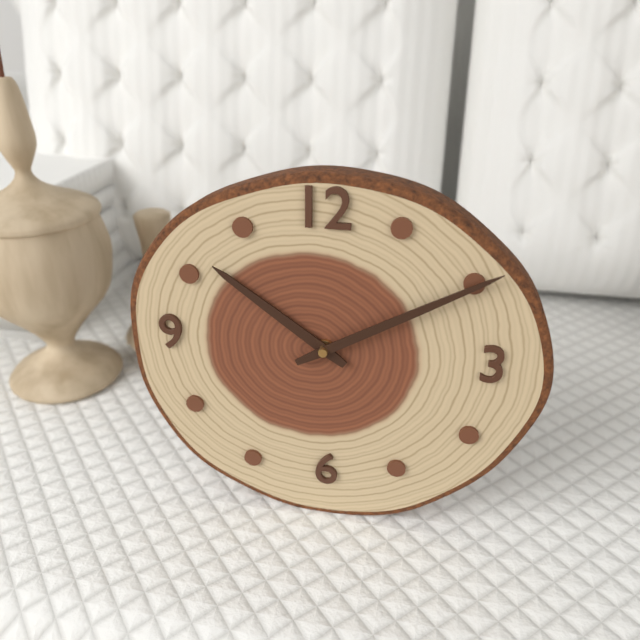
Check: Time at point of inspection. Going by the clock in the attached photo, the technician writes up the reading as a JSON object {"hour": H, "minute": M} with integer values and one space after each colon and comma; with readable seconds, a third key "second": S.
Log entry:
{"hour": 10, "minute": 10}
